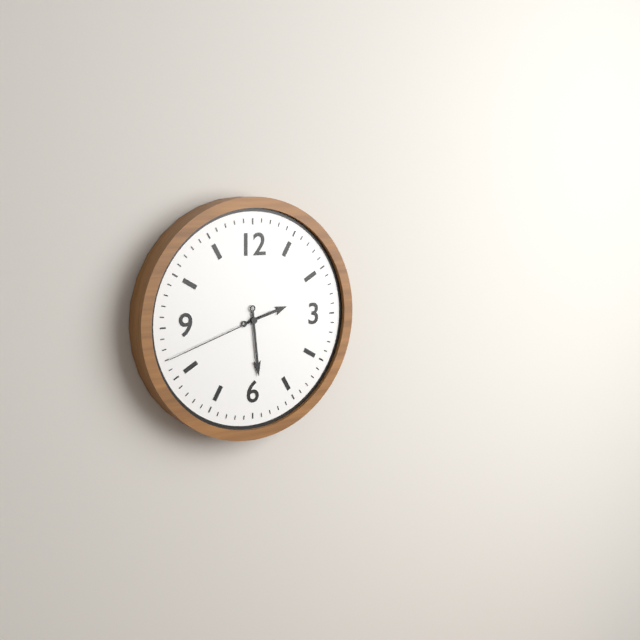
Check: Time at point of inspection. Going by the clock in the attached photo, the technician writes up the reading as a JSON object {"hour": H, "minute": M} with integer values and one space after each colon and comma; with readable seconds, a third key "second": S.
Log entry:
{"hour": 2, "minute": 29, "second": 42}
